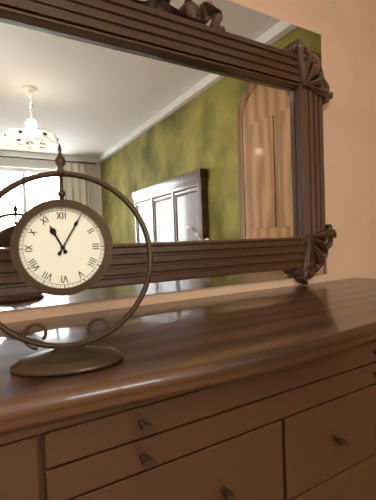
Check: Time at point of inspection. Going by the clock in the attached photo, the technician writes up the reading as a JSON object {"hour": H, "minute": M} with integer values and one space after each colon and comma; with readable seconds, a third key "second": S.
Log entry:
{"hour": 11, "minute": 5}
